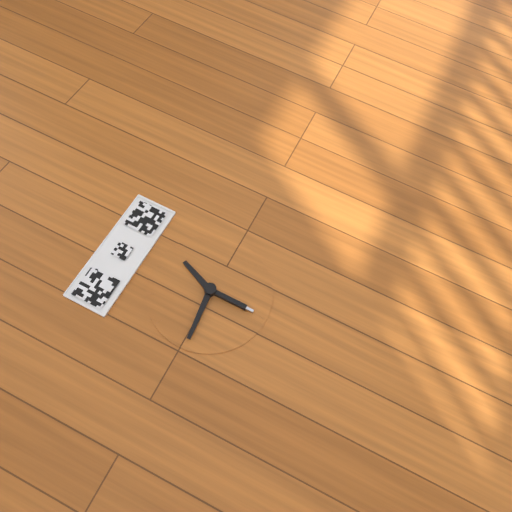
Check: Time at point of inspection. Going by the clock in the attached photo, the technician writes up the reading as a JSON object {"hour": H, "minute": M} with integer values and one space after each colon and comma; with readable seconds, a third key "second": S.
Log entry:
{"hour": 12, "minute": 44}
